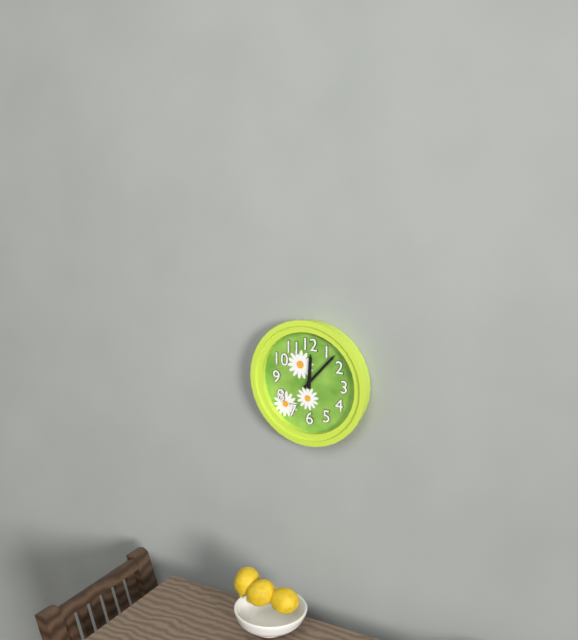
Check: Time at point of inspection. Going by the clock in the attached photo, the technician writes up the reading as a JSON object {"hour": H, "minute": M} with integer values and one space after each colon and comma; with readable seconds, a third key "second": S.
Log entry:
{"hour": 12, "minute": 7}
